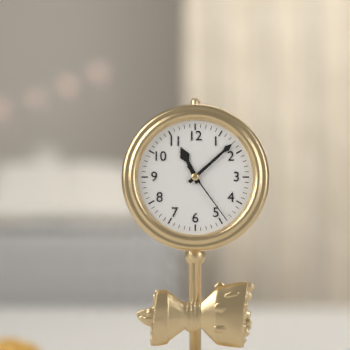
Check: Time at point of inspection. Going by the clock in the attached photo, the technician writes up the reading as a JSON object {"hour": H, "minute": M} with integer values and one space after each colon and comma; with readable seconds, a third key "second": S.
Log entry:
{"hour": 11, "minute": 8, "second": 24}
